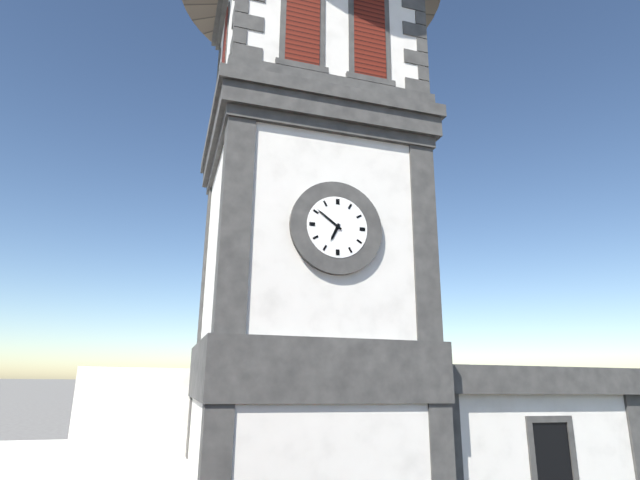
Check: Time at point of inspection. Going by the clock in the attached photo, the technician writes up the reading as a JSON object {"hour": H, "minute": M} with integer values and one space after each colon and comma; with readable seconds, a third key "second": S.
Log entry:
{"hour": 6, "minute": 51}
